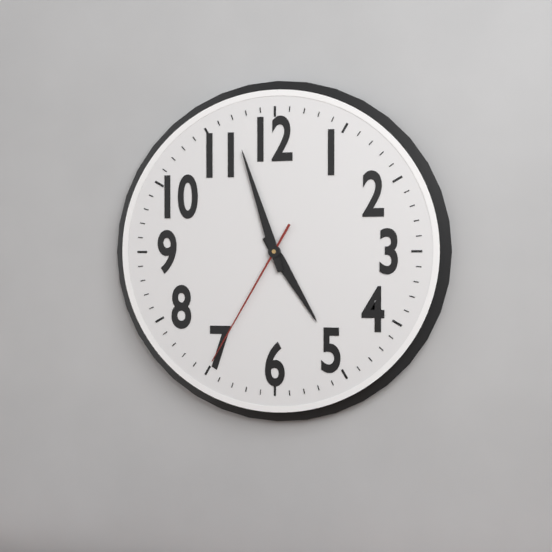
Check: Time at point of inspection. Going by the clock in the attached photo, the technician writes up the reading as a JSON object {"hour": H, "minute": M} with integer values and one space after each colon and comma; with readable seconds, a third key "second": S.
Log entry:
{"hour": 4, "minute": 57, "second": 35}
